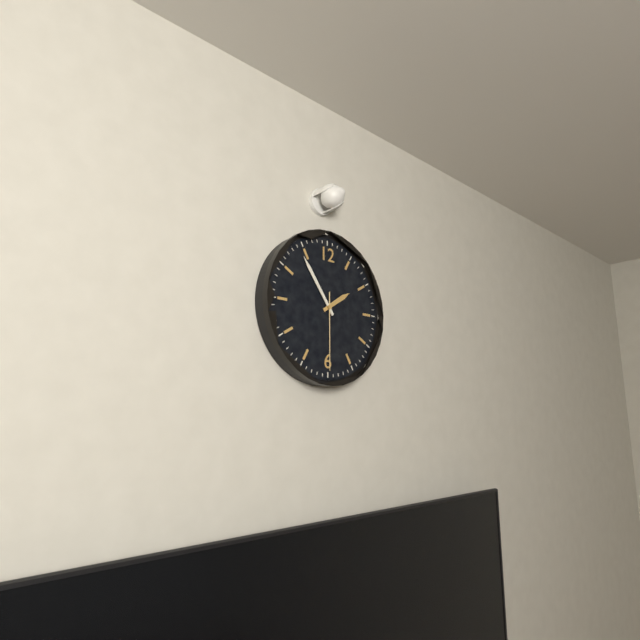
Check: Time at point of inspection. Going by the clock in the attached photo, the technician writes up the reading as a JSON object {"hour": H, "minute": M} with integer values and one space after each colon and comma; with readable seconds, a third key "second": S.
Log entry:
{"hour": 1, "minute": 54, "second": 30}
